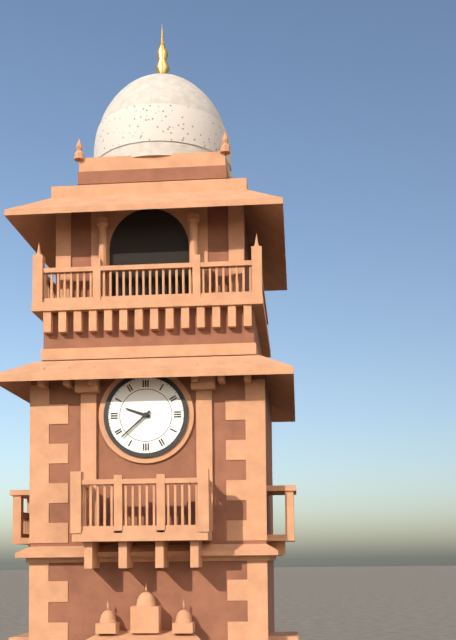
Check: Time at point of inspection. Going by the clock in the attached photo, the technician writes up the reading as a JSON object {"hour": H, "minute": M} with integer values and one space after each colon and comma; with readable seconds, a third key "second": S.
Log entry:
{"hour": 9, "minute": 38}
